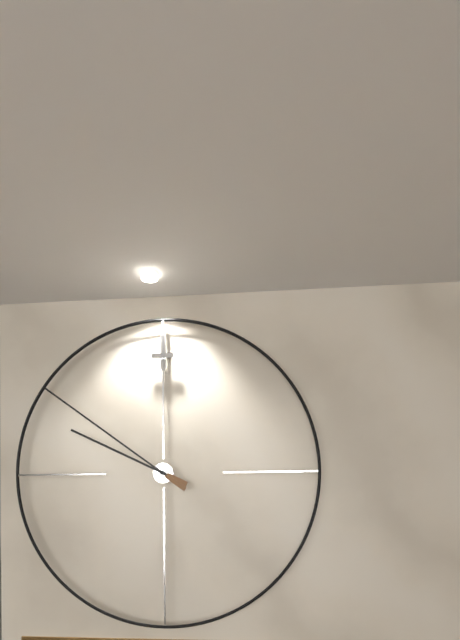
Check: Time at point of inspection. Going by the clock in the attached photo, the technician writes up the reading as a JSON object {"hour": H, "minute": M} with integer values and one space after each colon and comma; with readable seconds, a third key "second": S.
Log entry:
{"hour": 9, "minute": 51}
